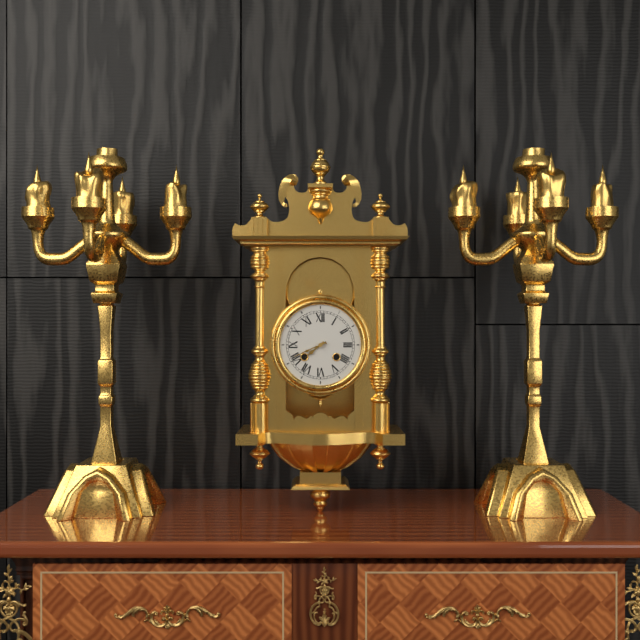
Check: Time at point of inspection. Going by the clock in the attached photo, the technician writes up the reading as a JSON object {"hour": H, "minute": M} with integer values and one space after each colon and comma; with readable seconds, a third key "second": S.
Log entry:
{"hour": 7, "minute": 41}
